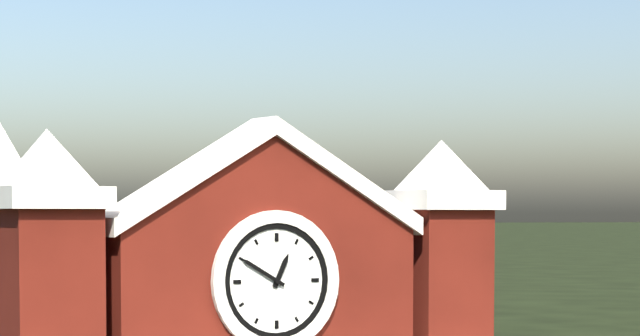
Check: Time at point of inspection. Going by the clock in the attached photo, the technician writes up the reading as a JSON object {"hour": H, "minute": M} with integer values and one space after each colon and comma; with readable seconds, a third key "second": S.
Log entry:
{"hour": 12, "minute": 50}
